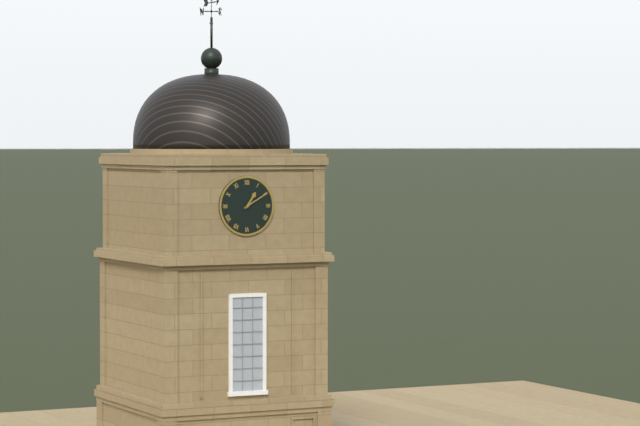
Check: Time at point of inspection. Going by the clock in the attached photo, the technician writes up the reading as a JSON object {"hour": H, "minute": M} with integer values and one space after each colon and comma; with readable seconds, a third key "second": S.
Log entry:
{"hour": 1, "minute": 10}
